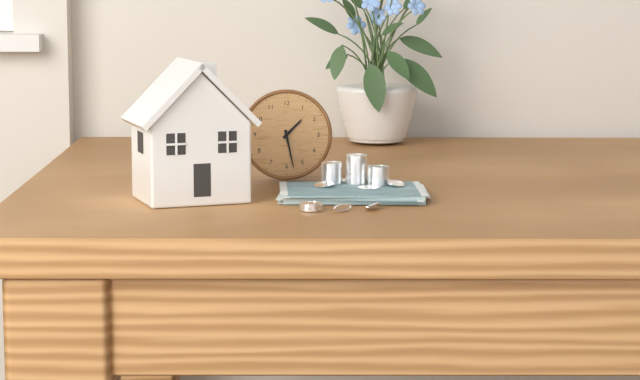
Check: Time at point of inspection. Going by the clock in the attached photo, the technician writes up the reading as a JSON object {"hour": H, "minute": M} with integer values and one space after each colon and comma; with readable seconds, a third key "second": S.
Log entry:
{"hour": 1, "minute": 28}
